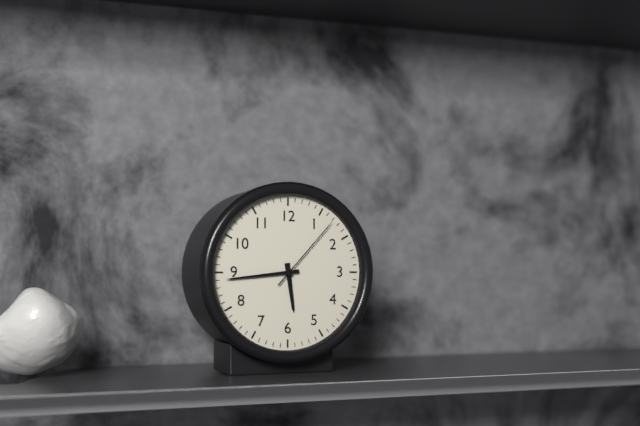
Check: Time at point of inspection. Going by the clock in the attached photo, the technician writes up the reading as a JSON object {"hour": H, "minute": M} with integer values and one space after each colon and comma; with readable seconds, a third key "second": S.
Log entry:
{"hour": 5, "minute": 44, "second": 7}
